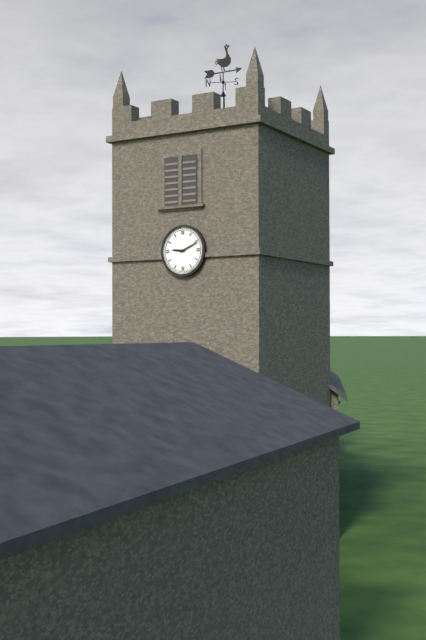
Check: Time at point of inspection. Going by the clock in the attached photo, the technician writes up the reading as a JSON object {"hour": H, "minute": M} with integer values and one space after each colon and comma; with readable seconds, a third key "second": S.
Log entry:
{"hour": 9, "minute": 11}
